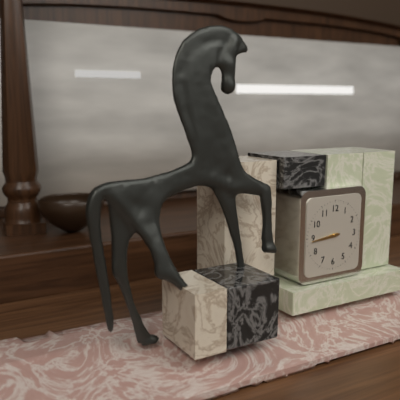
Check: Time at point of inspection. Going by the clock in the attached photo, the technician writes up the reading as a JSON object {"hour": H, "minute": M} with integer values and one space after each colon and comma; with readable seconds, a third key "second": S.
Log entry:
{"hour": 8, "minute": 44}
